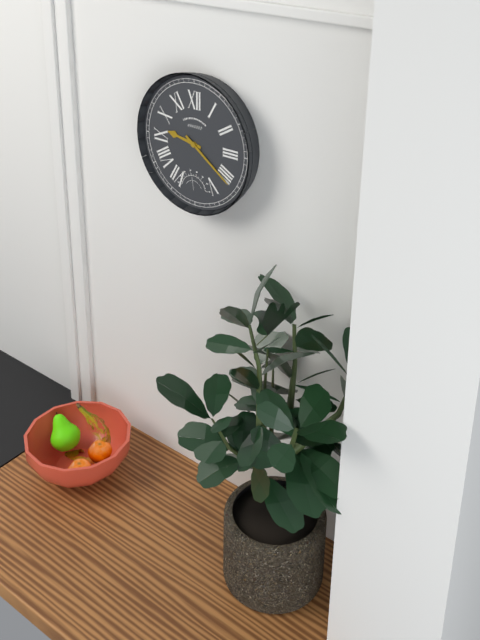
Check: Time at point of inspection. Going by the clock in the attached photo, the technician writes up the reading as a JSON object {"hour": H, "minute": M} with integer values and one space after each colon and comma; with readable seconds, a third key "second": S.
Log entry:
{"hour": 9, "minute": 21}
